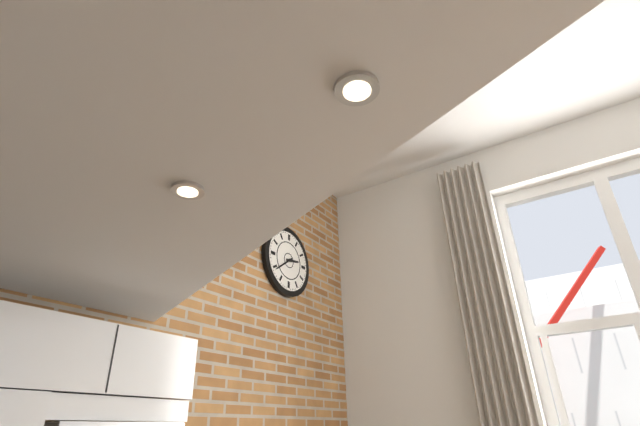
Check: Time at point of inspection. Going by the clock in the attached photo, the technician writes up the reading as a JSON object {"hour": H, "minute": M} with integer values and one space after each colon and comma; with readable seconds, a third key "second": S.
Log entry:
{"hour": 2, "minute": 39}
